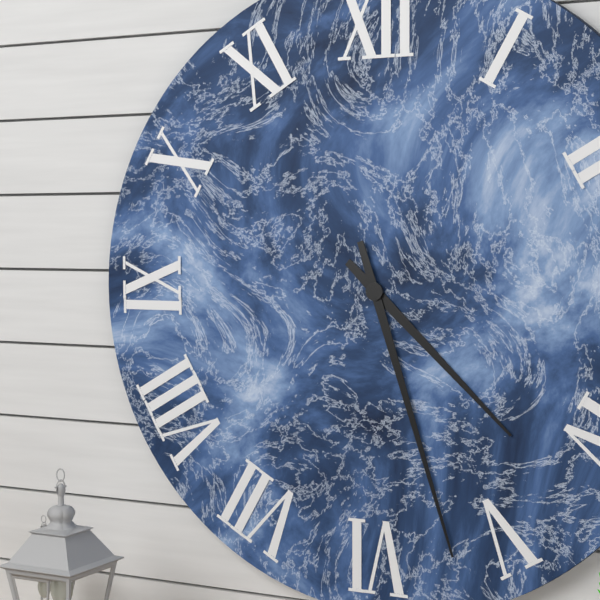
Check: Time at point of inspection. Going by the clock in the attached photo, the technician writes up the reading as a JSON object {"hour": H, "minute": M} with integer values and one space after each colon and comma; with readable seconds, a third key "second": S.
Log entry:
{"hour": 4, "minute": 27}
